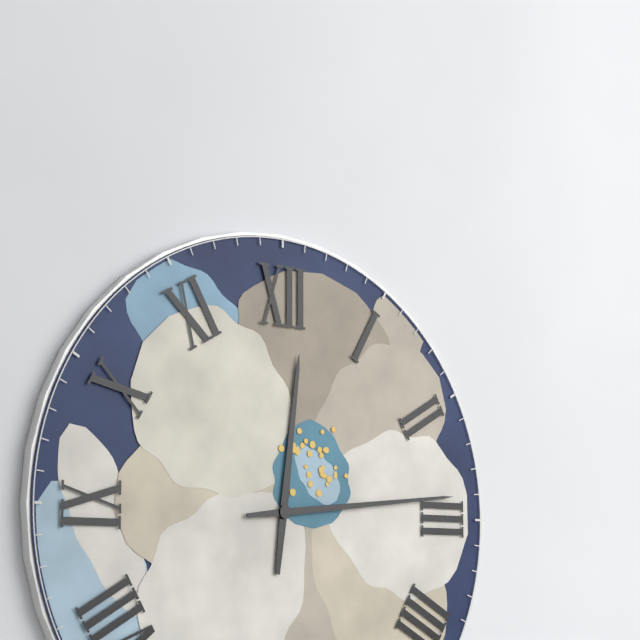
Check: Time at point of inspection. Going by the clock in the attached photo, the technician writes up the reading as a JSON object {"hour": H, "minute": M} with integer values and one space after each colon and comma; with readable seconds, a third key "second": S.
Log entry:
{"hour": 12, "minute": 14}
